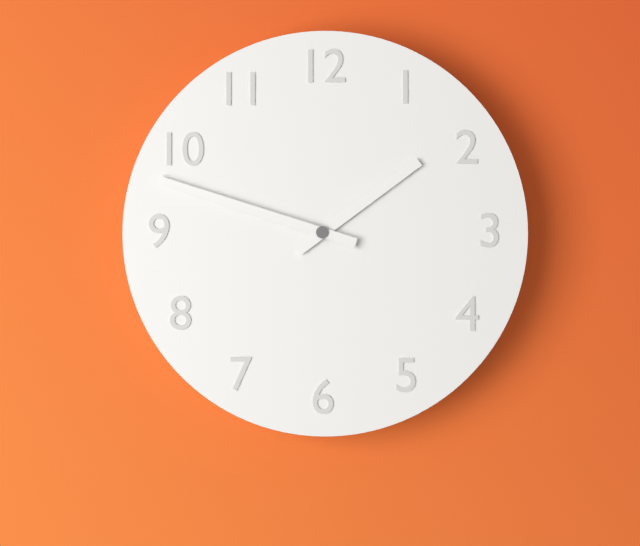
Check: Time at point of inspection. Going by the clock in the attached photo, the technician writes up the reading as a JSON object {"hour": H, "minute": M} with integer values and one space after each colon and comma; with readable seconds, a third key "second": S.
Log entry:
{"hour": 1, "minute": 48}
